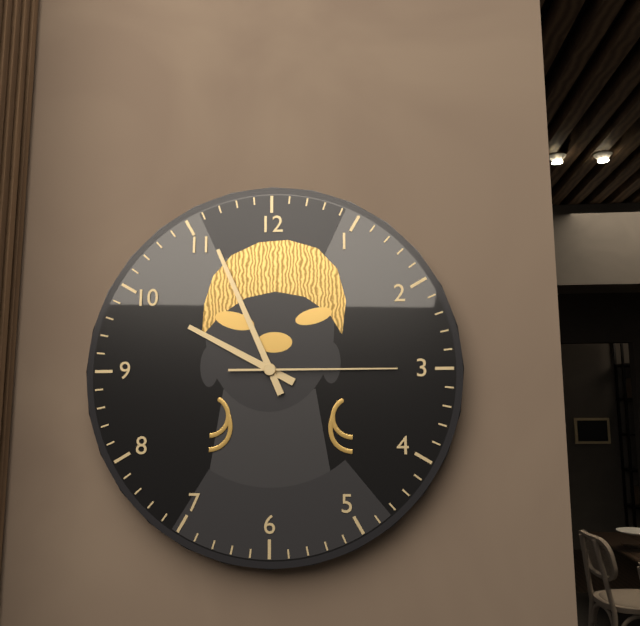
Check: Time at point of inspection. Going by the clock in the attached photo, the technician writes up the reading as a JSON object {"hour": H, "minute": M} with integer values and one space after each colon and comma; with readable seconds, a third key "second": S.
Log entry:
{"hour": 9, "minute": 56, "second": 15}
